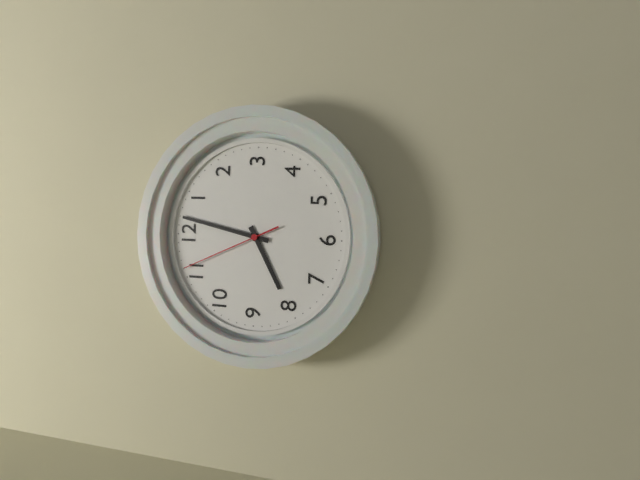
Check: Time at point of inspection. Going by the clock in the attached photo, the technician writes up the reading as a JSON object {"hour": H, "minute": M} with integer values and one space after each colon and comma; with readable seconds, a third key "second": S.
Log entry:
{"hour": 8, "minute": 2, "second": 56}
